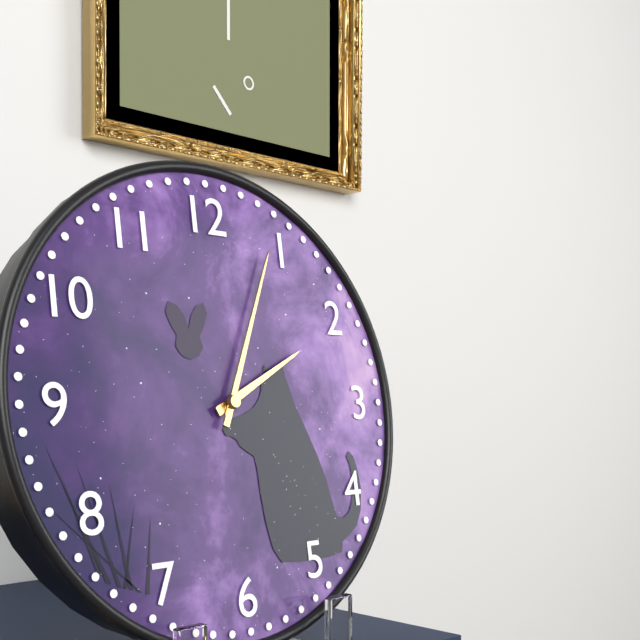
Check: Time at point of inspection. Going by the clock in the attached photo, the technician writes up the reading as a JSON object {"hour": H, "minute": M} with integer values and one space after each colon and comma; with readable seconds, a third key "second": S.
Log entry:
{"hour": 2, "minute": 4}
